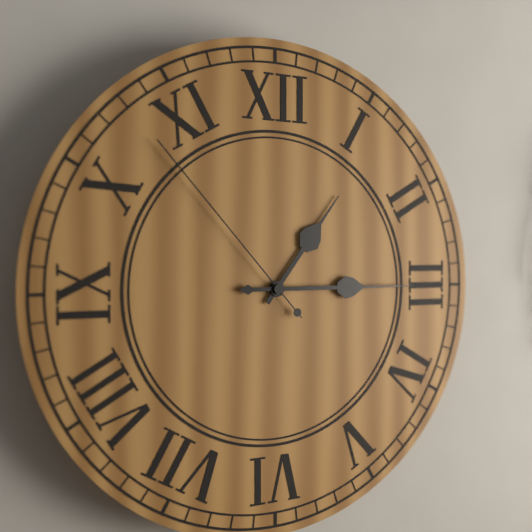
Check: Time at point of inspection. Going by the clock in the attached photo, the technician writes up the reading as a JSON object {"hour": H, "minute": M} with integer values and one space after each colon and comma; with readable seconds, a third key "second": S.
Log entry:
{"hour": 1, "minute": 15, "second": 53}
